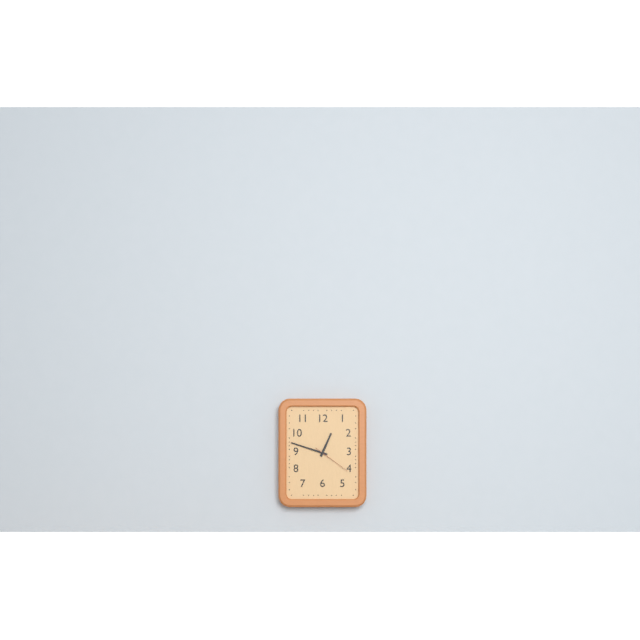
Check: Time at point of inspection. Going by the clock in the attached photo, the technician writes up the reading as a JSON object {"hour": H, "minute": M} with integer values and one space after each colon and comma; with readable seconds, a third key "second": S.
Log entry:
{"hour": 12, "minute": 48}
